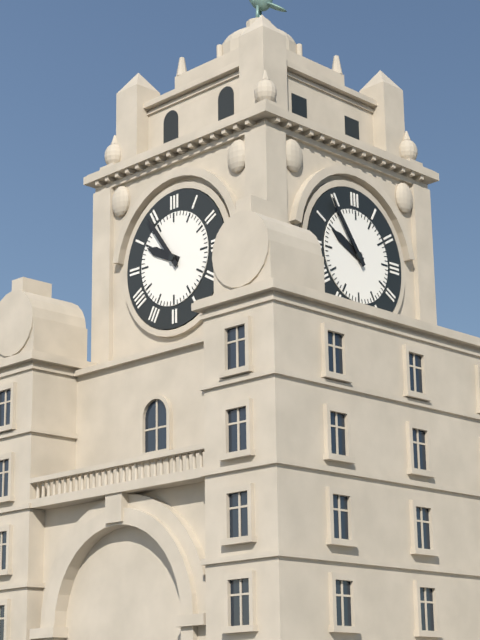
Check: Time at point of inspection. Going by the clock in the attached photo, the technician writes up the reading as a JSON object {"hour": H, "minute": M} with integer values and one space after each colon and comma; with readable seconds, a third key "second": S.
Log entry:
{"hour": 9, "minute": 54}
